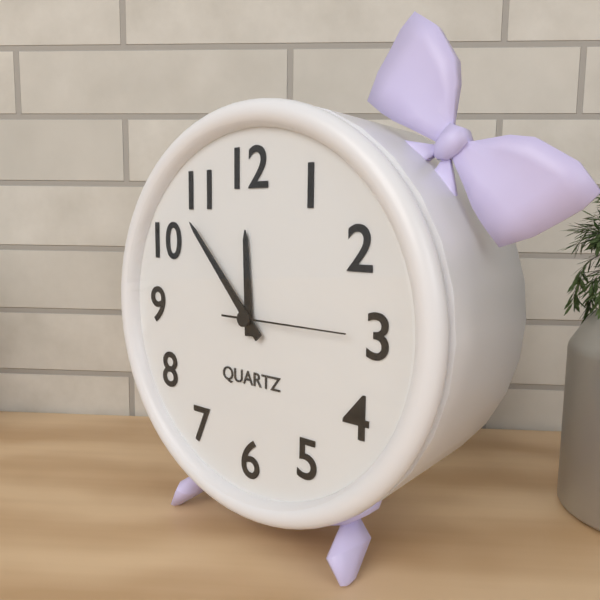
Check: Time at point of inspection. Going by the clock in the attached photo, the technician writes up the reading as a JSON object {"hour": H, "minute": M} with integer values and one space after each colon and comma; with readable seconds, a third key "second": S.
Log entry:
{"hour": 11, "minute": 53, "second": 15}
